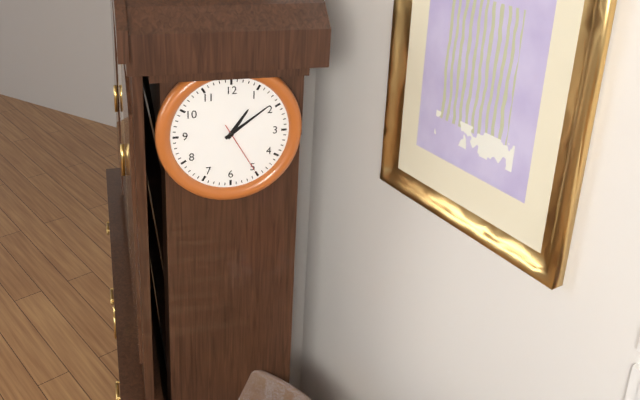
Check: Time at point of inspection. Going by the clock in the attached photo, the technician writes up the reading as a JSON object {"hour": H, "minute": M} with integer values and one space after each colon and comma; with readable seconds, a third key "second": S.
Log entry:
{"hour": 1, "minute": 9, "second": 25}
